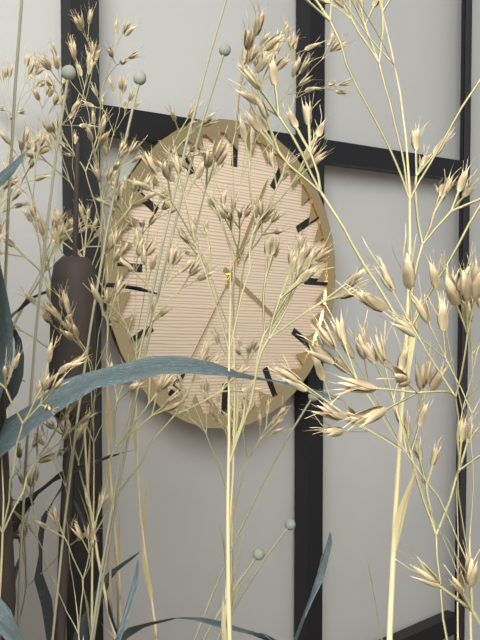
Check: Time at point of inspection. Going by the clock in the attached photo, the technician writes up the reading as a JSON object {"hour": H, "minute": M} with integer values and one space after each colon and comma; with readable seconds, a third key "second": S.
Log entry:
{"hour": 4, "minute": 4, "second": 35}
